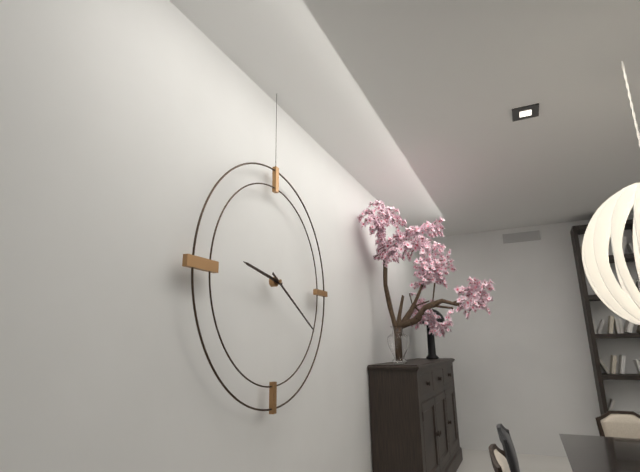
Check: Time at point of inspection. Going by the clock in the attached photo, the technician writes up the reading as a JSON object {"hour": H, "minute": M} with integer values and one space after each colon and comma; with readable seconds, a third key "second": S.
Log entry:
{"hour": 9, "minute": 20}
